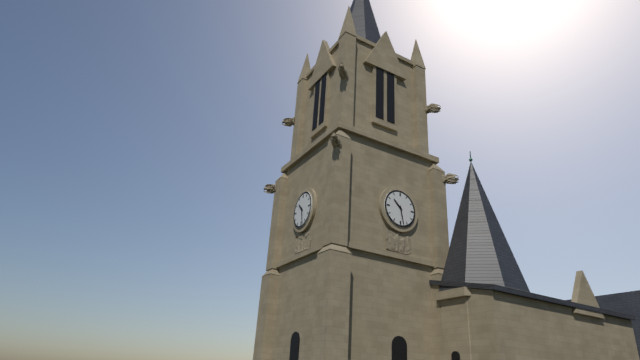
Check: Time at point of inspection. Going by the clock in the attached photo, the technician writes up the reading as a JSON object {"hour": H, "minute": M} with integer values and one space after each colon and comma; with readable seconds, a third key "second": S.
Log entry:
{"hour": 10, "minute": 28}
